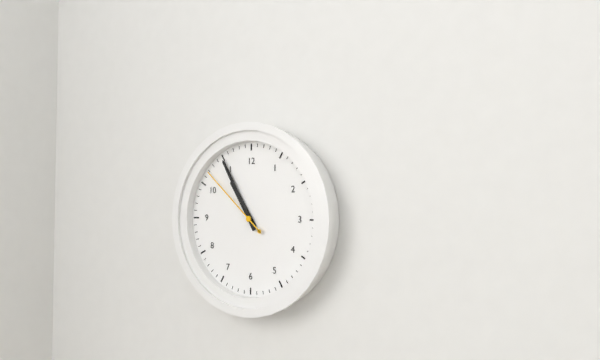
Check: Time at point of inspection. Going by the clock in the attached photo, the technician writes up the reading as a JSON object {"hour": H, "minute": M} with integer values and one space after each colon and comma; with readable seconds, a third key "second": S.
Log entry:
{"hour": 10, "minute": 55, "second": 52}
